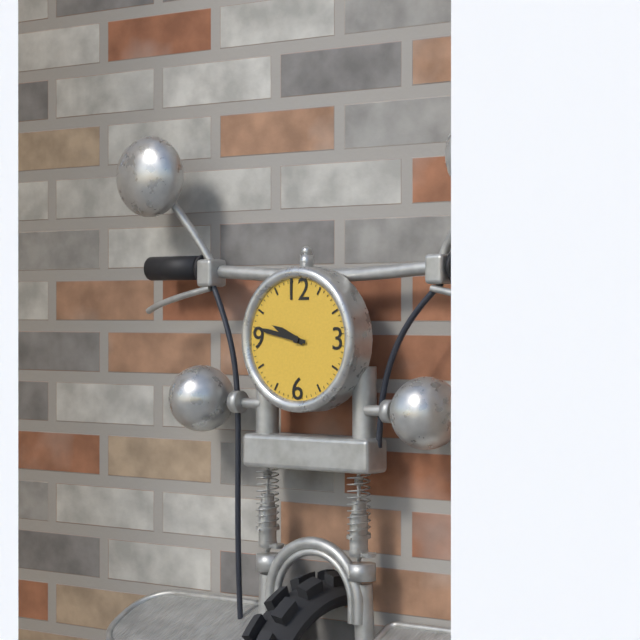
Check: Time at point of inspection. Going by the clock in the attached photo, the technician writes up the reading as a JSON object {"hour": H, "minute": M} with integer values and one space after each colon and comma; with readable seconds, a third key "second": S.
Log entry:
{"hour": 9, "minute": 47}
